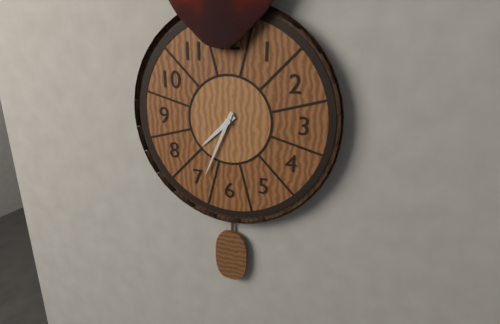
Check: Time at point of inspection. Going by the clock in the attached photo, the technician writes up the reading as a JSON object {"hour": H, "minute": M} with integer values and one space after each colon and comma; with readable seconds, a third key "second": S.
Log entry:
{"hour": 7, "minute": 34}
